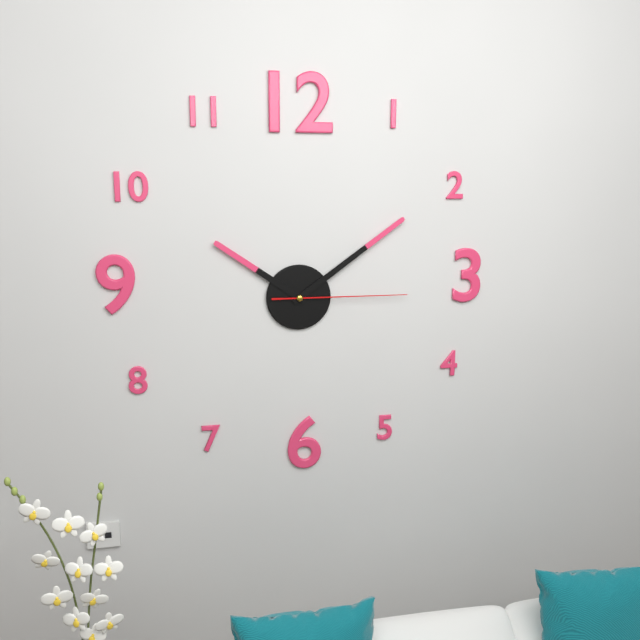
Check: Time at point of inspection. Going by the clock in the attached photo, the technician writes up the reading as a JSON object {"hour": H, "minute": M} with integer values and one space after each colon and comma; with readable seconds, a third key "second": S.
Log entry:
{"hour": 10, "minute": 9, "second": 15}
